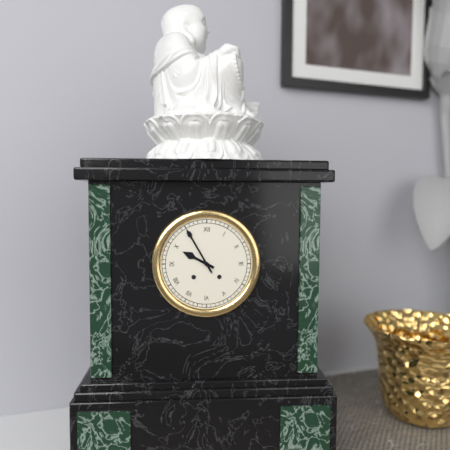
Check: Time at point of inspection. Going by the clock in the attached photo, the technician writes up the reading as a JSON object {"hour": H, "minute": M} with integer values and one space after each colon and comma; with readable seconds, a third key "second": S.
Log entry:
{"hour": 9, "minute": 55}
